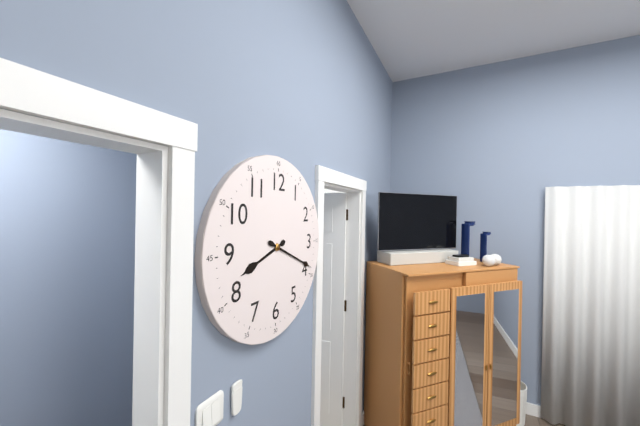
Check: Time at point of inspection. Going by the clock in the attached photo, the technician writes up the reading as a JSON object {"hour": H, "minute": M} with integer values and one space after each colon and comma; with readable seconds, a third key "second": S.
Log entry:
{"hour": 8, "minute": 19}
